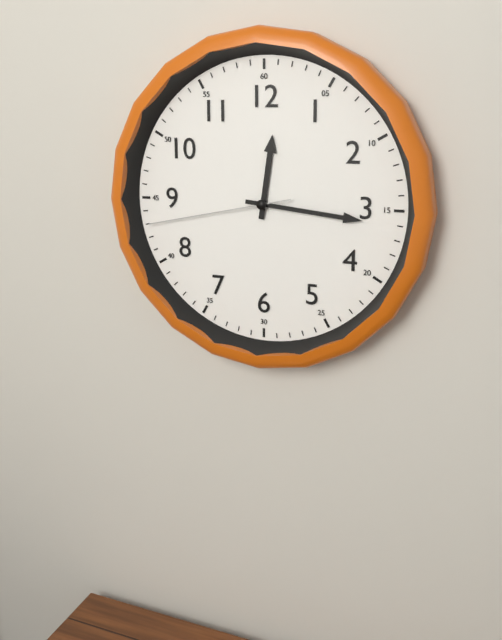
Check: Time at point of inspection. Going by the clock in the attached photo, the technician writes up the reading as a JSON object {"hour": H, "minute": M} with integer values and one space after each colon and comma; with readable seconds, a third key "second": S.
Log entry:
{"hour": 12, "minute": 16, "second": 43}
